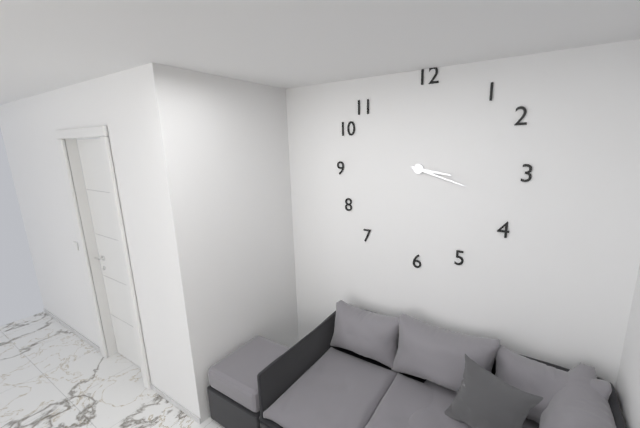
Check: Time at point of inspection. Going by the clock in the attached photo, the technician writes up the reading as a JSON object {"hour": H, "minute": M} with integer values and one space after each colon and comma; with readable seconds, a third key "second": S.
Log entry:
{"hour": 3, "minute": 18}
